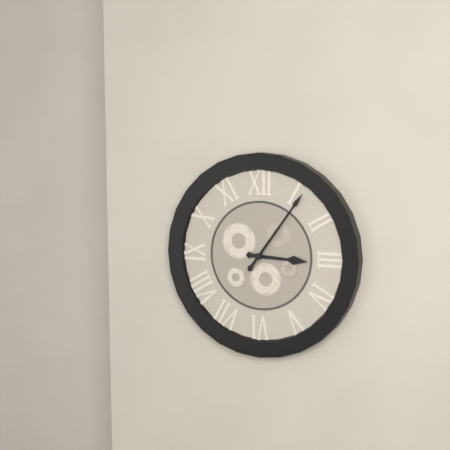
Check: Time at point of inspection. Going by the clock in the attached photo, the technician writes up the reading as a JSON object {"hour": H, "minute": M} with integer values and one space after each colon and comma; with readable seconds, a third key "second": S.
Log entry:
{"hour": 3, "minute": 6}
